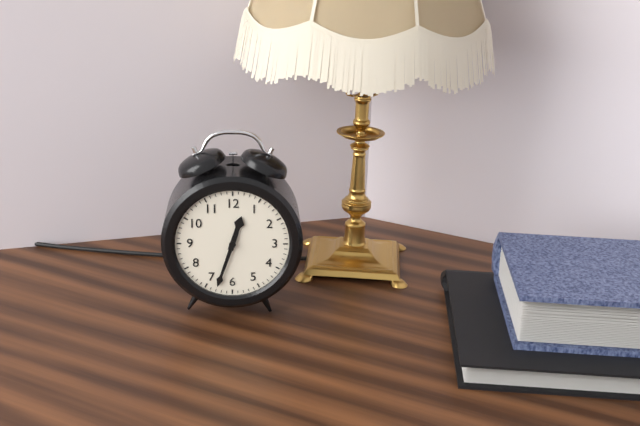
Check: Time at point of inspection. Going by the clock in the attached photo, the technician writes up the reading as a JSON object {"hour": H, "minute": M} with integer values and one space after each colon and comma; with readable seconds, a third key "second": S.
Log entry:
{"hour": 12, "minute": 33}
